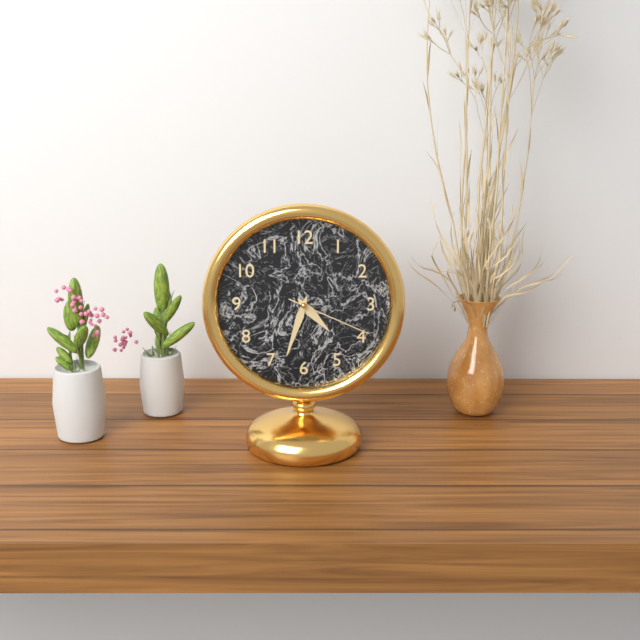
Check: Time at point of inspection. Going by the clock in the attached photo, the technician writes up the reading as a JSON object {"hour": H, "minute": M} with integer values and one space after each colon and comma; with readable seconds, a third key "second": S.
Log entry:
{"hour": 4, "minute": 33, "second": 19}
